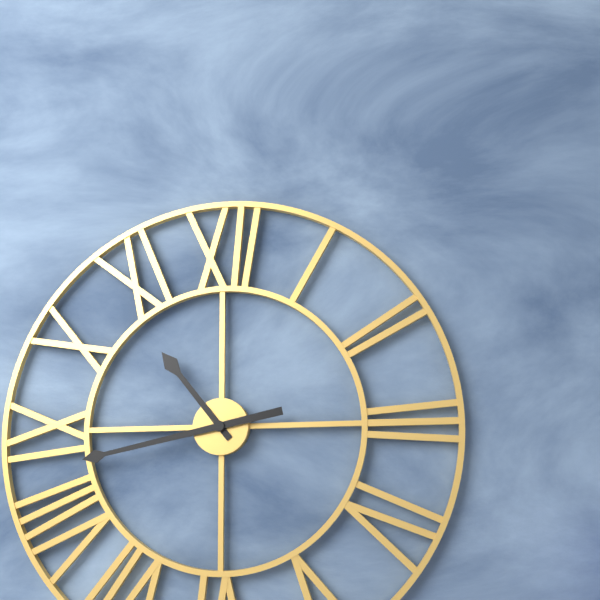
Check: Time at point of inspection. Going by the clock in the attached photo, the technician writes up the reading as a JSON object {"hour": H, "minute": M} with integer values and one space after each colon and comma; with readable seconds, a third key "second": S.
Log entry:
{"hour": 10, "minute": 43}
